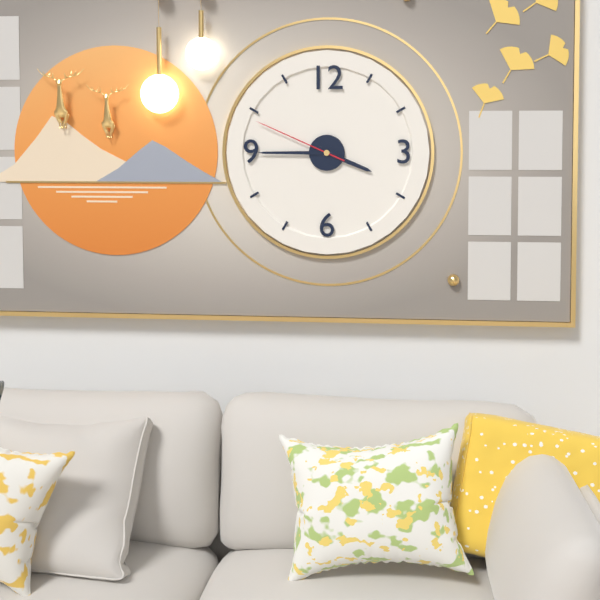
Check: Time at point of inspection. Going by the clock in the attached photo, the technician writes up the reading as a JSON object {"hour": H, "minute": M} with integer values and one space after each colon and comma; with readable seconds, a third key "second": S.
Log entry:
{"hour": 3, "minute": 45, "second": 49}
